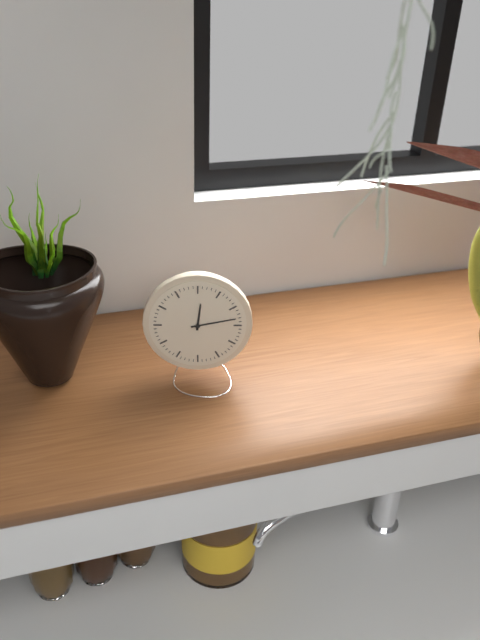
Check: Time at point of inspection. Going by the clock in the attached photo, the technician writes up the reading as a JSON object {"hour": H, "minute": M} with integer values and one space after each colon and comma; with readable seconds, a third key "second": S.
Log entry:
{"hour": 12, "minute": 13}
